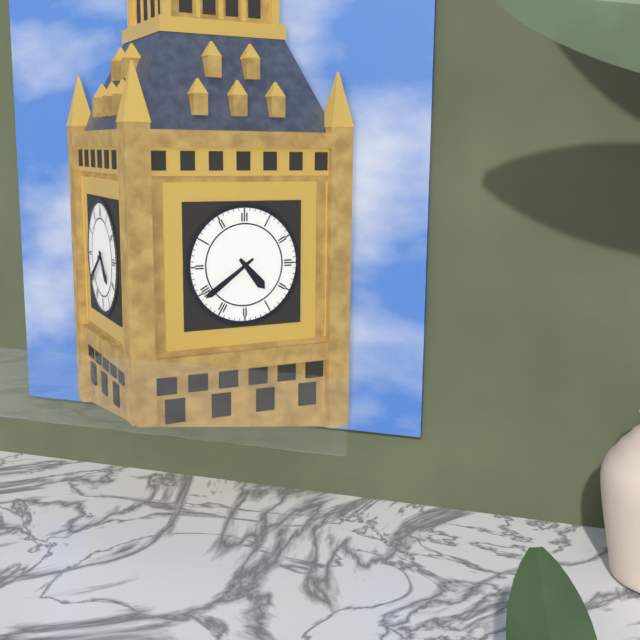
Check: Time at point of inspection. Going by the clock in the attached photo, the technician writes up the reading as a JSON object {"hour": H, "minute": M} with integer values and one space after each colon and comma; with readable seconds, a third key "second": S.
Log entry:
{"hour": 4, "minute": 39}
